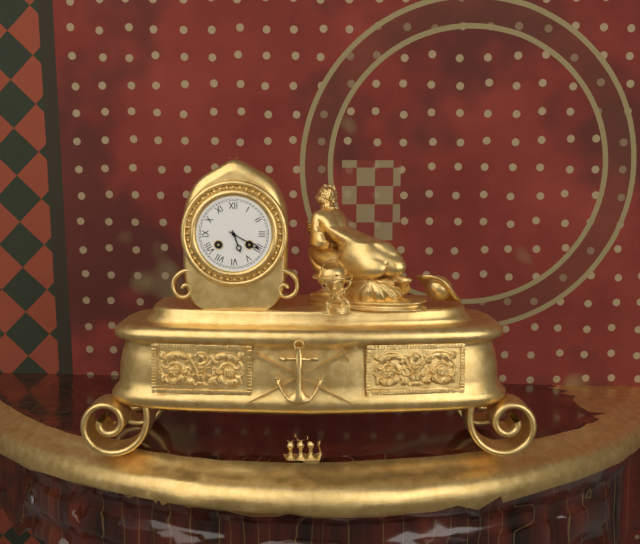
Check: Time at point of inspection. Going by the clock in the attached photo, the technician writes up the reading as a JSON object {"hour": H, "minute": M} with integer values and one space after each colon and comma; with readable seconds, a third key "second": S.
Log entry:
{"hour": 5, "minute": 20}
